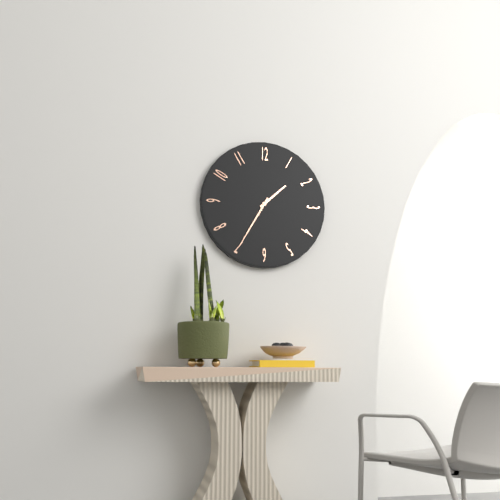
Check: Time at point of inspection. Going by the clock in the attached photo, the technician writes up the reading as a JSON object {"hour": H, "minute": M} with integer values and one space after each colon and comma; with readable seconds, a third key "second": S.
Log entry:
{"hour": 1, "minute": 35}
